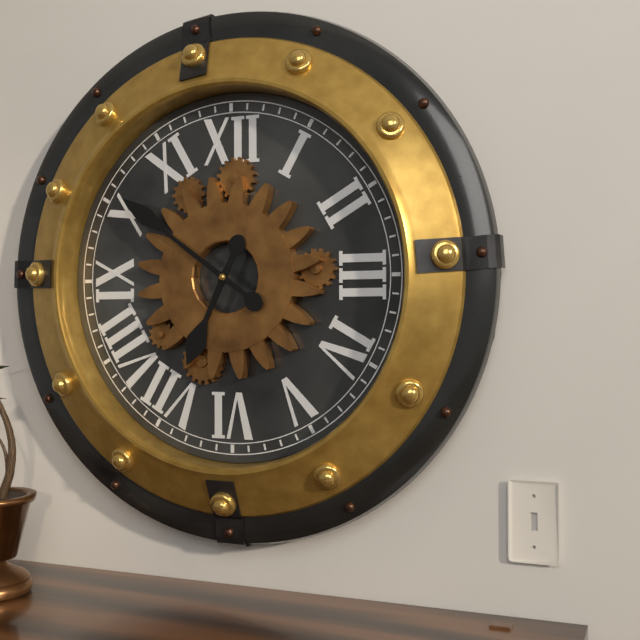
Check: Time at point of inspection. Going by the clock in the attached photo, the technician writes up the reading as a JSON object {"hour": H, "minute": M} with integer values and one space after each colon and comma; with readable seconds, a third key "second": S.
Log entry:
{"hour": 6, "minute": 51}
